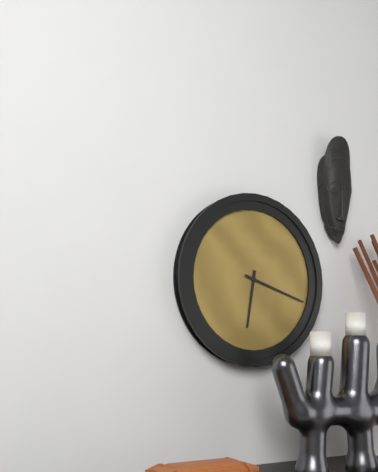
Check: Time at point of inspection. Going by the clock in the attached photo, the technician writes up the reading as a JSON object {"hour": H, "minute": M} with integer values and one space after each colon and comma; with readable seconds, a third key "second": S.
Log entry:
{"hour": 6, "minute": 18}
